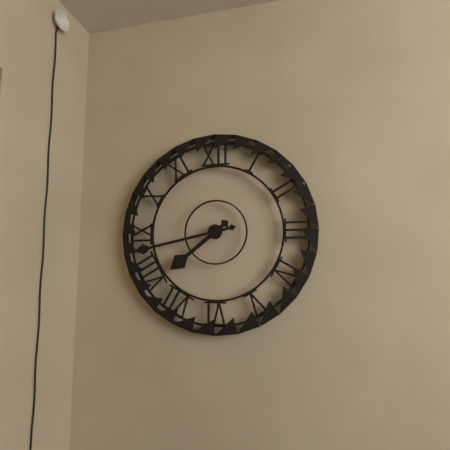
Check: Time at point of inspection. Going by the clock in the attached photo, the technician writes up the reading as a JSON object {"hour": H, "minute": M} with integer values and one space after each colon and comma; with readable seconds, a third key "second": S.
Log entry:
{"hour": 7, "minute": 43}
